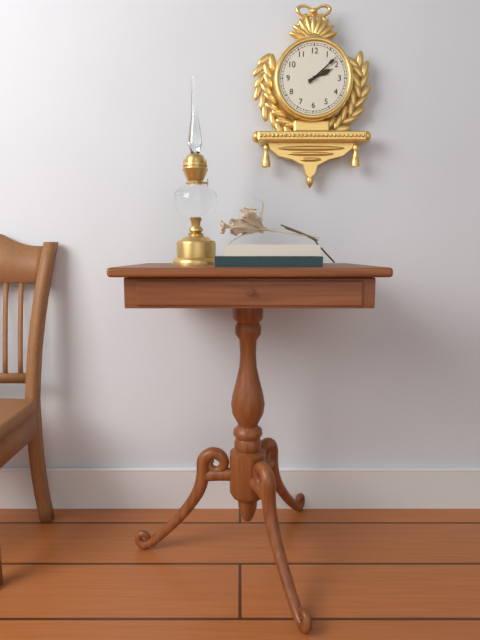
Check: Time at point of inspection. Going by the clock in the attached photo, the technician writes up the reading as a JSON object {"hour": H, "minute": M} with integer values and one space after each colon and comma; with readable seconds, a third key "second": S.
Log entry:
{"hour": 2, "minute": 8}
